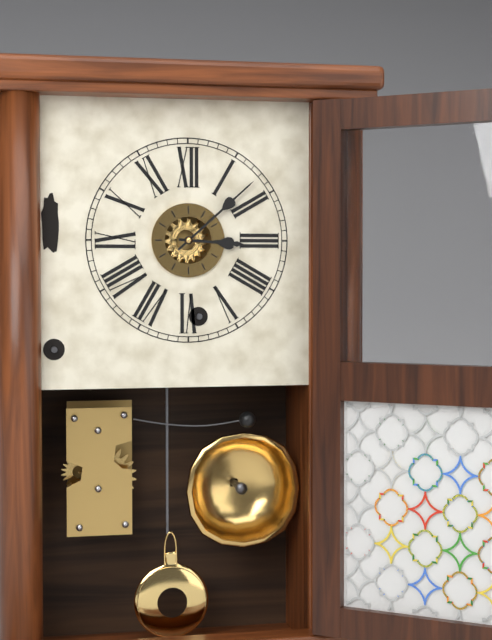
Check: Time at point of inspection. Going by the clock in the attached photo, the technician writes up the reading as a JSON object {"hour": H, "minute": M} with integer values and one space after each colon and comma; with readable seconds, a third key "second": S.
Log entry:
{"hour": 3, "minute": 8}
